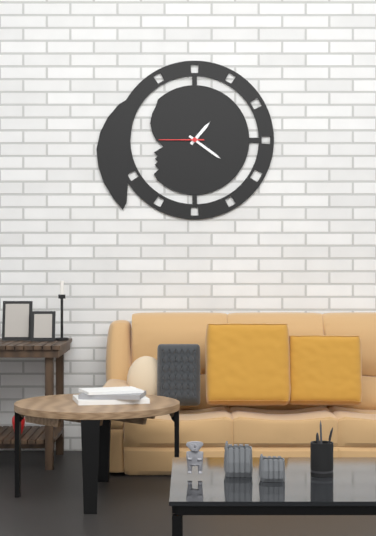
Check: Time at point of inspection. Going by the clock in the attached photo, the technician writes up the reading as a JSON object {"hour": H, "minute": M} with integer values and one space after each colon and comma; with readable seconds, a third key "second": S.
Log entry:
{"hour": 1, "minute": 21}
